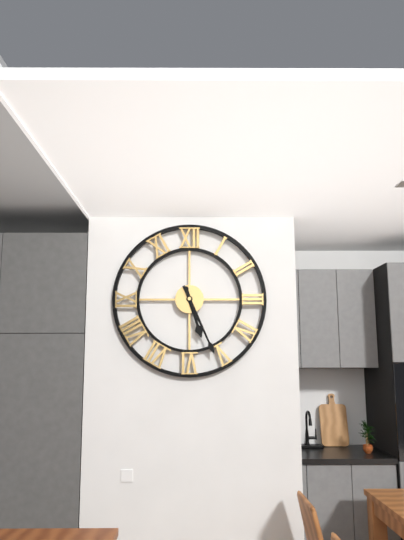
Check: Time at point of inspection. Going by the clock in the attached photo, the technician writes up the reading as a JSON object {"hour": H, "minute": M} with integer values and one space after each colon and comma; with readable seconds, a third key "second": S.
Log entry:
{"hour": 5, "minute": 26}
